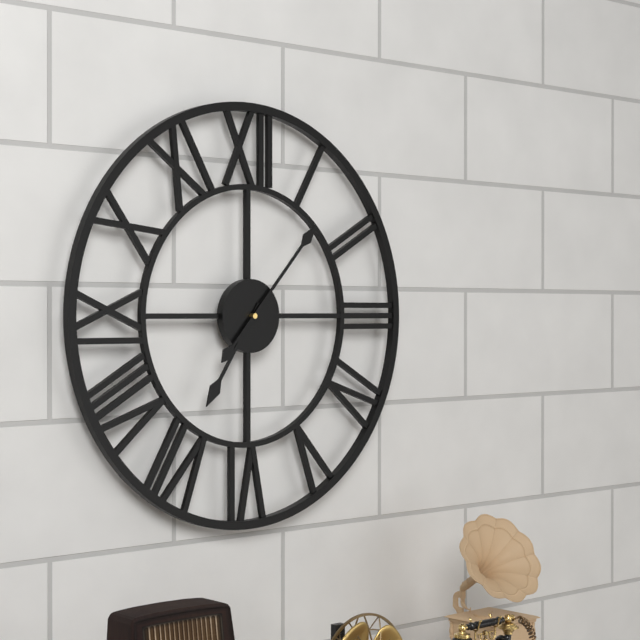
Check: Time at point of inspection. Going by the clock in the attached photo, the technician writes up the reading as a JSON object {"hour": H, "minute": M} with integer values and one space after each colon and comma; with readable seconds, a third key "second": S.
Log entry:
{"hour": 7, "minute": 7}
